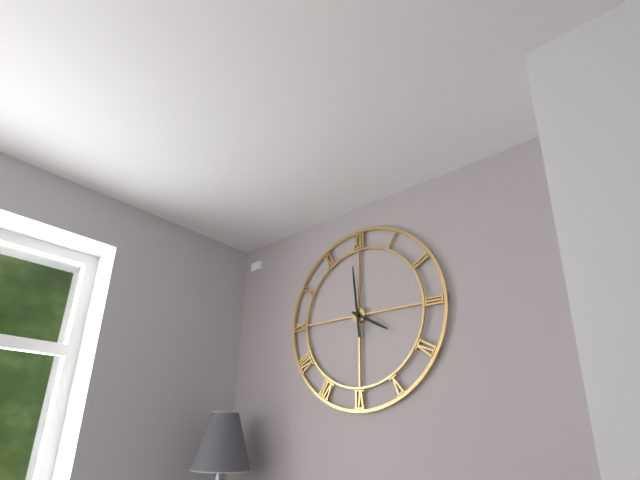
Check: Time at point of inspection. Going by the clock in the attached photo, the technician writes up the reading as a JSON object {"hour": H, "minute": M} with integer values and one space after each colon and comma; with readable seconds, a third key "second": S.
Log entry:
{"hour": 3, "minute": 59}
